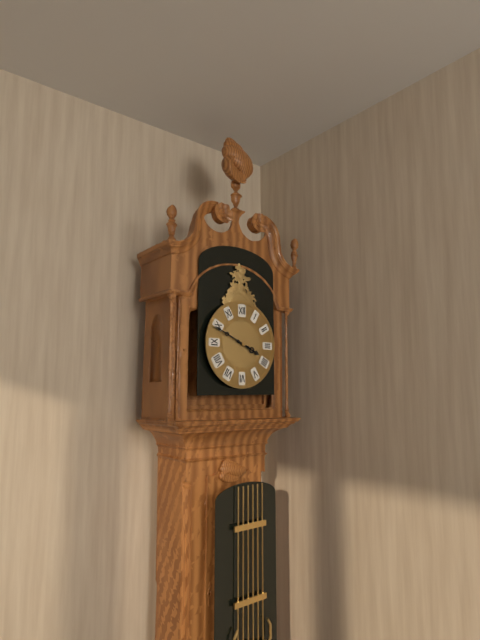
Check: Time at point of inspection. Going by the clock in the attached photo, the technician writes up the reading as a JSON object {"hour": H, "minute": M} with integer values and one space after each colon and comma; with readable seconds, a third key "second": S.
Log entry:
{"hour": 3, "minute": 49}
